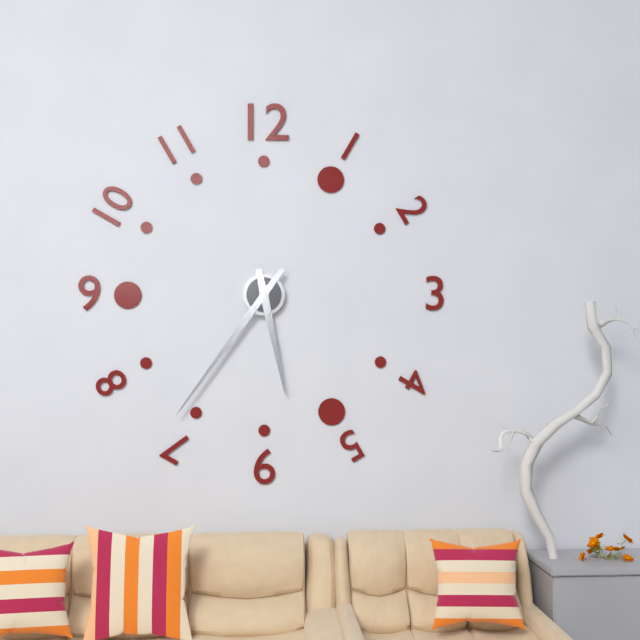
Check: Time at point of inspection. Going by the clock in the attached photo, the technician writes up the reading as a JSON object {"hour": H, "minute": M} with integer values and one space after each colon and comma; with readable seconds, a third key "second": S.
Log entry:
{"hour": 5, "minute": 36}
